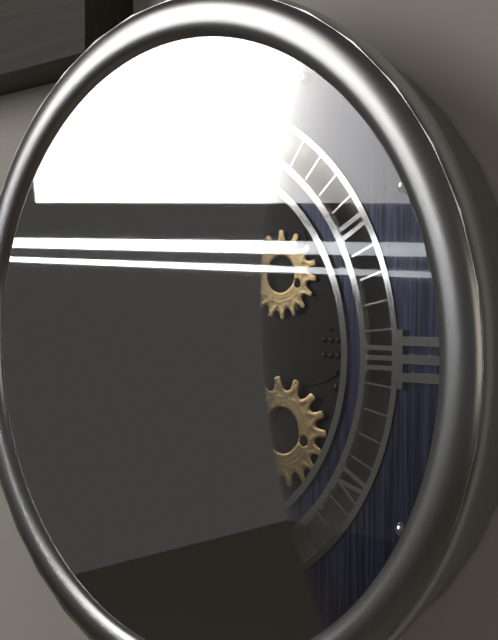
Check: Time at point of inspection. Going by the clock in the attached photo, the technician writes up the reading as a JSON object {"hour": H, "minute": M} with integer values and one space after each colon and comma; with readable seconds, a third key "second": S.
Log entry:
{"hour": 8, "minute": 36}
